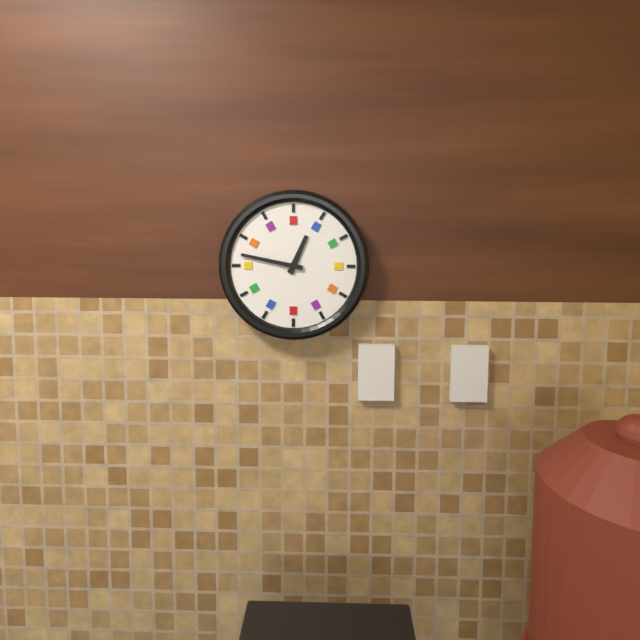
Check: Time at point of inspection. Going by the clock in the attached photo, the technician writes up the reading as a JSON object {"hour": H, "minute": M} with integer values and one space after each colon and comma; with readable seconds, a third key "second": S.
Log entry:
{"hour": 12, "minute": 47}
